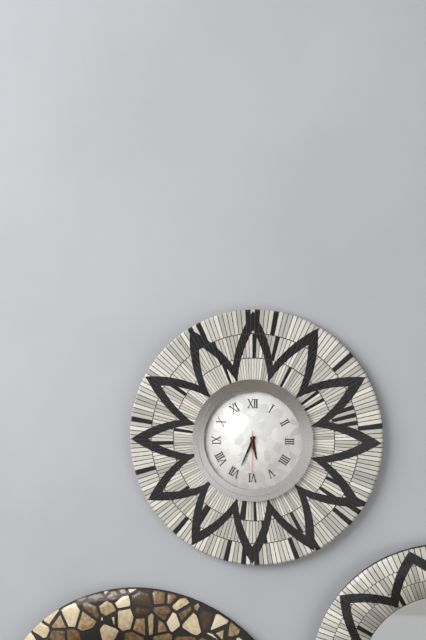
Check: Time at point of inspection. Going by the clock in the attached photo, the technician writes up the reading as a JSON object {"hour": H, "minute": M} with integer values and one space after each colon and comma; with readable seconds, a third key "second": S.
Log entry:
{"hour": 5, "minute": 34}
